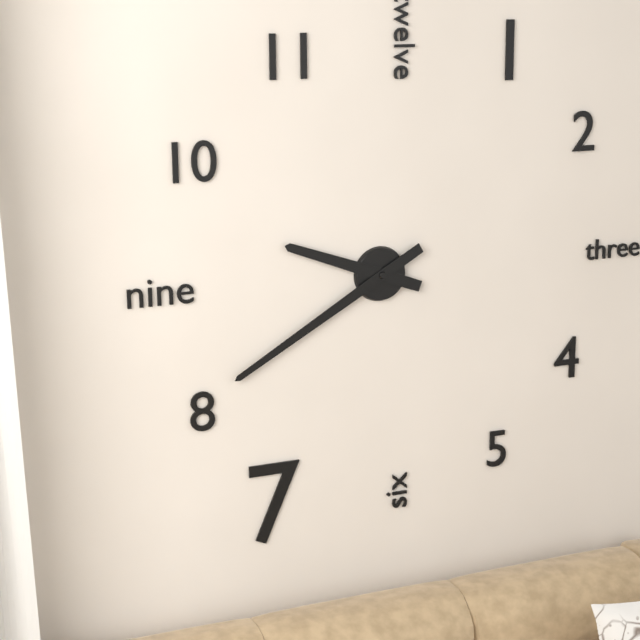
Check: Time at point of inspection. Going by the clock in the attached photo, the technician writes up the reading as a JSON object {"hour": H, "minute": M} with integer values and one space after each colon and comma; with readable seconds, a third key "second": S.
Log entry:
{"hour": 9, "minute": 40}
